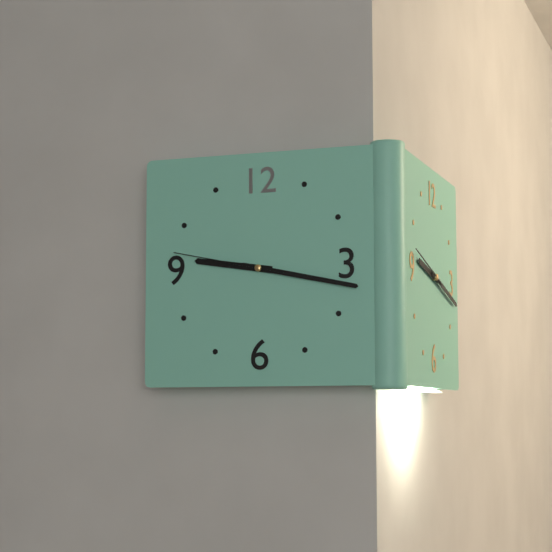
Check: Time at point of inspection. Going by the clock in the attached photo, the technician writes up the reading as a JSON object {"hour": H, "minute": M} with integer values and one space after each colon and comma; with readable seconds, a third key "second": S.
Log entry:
{"hour": 9, "minute": 17, "second": 47}
